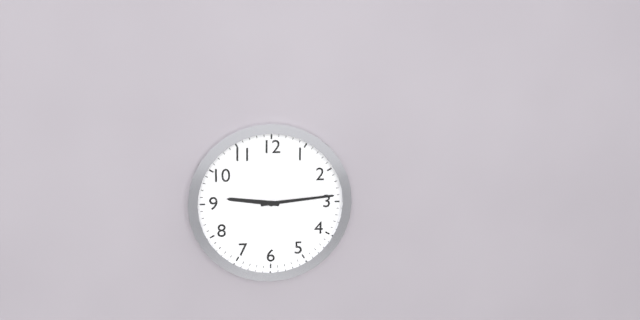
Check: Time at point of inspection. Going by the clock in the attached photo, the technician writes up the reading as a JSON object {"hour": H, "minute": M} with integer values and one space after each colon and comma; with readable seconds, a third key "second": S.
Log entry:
{"hour": 9, "minute": 14}
